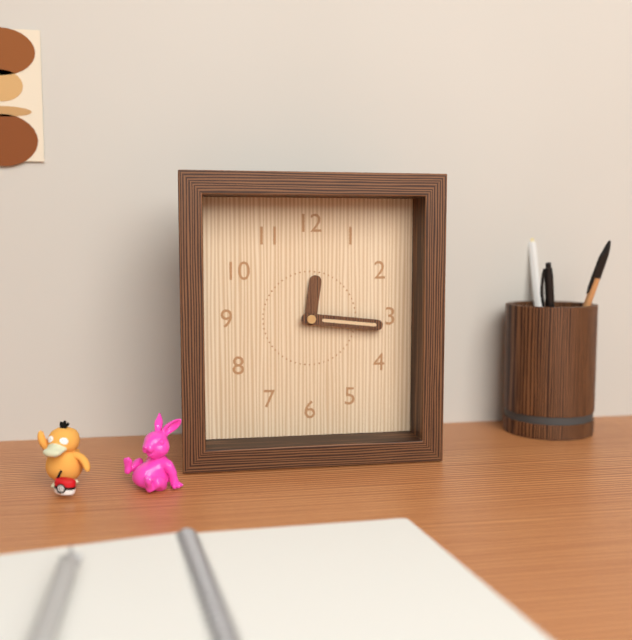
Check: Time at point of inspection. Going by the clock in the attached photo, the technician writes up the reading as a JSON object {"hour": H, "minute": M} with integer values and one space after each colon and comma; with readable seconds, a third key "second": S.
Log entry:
{"hour": 12, "minute": 16}
